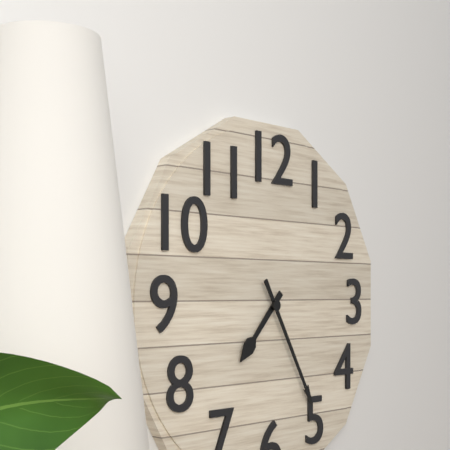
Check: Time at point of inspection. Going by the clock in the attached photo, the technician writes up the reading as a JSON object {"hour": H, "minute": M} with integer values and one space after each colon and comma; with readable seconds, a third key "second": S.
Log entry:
{"hour": 7, "minute": 25}
